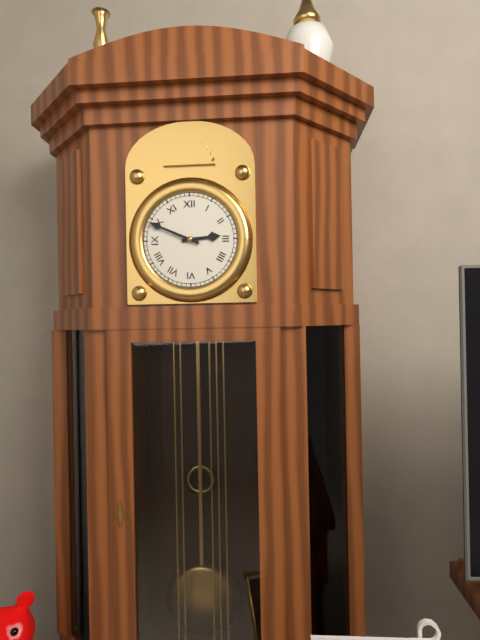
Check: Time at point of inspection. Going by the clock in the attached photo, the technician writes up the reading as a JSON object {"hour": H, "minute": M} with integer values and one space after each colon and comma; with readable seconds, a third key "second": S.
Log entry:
{"hour": 2, "minute": 49}
